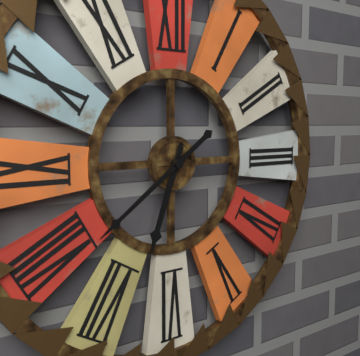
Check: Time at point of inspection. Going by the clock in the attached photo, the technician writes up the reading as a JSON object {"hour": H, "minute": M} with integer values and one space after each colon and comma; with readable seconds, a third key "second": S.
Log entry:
{"hour": 6, "minute": 39}
